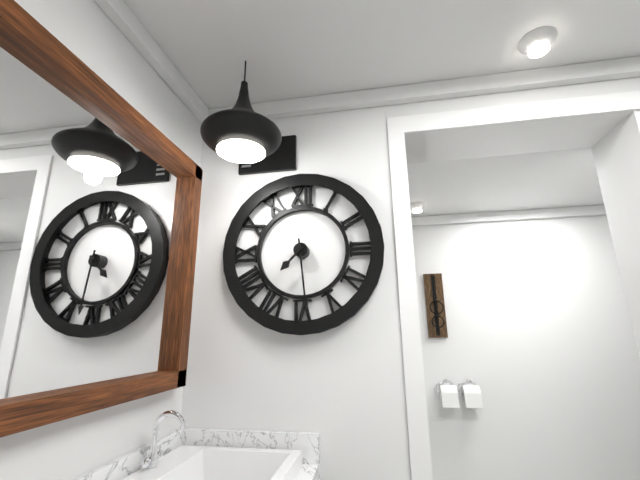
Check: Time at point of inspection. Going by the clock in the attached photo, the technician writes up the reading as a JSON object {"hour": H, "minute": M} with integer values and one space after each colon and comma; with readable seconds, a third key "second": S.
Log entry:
{"hour": 7, "minute": 29}
